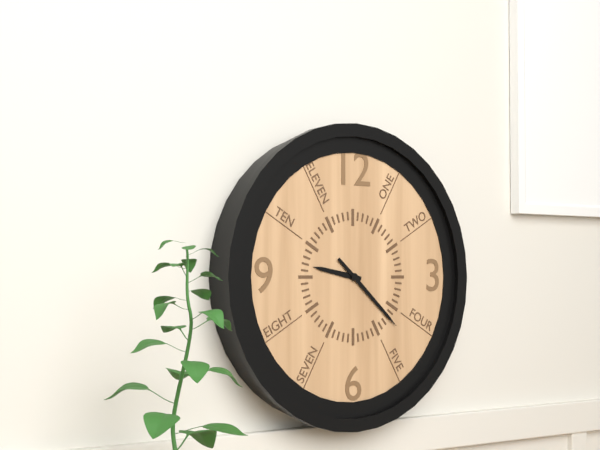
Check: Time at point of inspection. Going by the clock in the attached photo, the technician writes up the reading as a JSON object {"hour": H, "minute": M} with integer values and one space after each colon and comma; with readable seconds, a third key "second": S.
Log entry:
{"hour": 9, "minute": 22}
